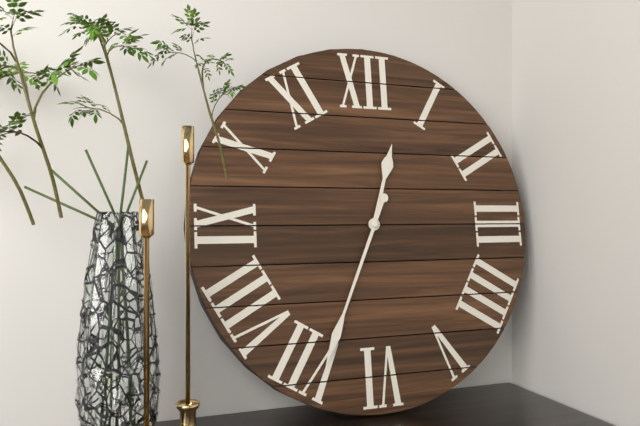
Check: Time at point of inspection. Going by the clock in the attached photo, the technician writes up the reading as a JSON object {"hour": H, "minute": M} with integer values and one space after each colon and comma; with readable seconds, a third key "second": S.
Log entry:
{"hour": 12, "minute": 34}
